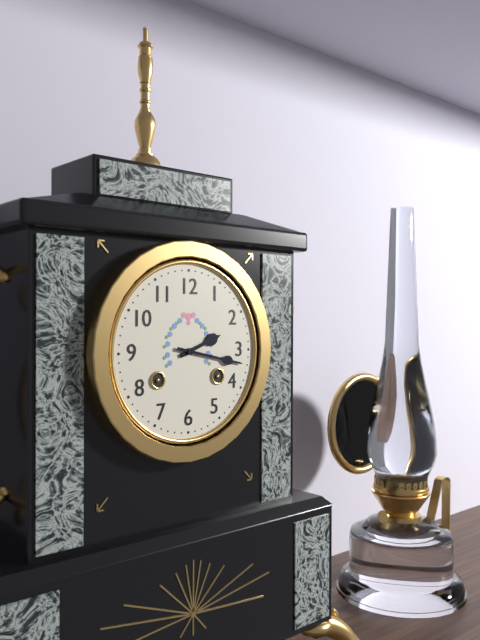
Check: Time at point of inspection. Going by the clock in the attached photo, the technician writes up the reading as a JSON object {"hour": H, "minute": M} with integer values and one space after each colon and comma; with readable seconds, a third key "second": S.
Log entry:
{"hour": 2, "minute": 17}
